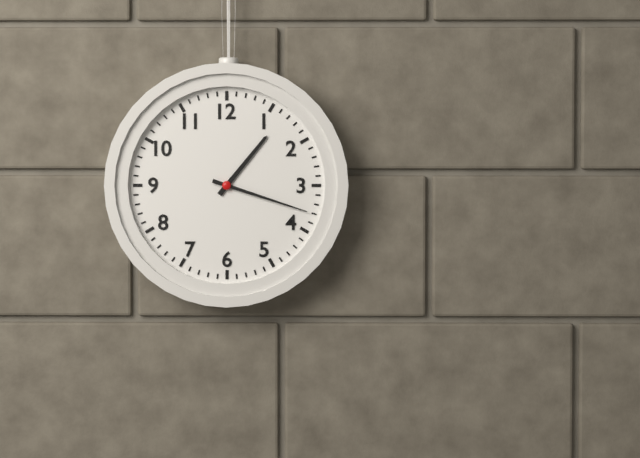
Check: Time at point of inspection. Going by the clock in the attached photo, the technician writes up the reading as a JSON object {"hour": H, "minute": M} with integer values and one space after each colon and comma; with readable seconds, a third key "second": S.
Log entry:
{"hour": 1, "minute": 18}
